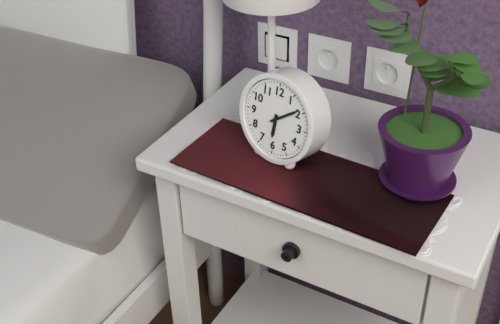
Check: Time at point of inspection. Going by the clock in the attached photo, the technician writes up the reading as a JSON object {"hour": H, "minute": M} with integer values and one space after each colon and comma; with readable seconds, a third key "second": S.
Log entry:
{"hour": 6, "minute": 9}
